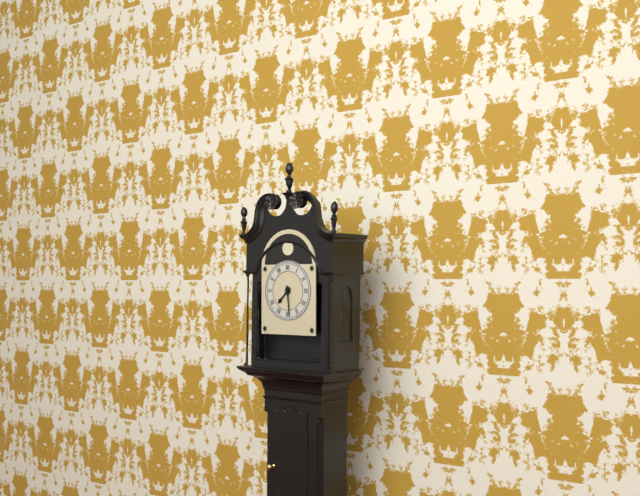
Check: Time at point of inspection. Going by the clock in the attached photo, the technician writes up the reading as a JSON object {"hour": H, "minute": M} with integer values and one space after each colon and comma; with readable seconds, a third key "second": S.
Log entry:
{"hour": 7, "minute": 29}
